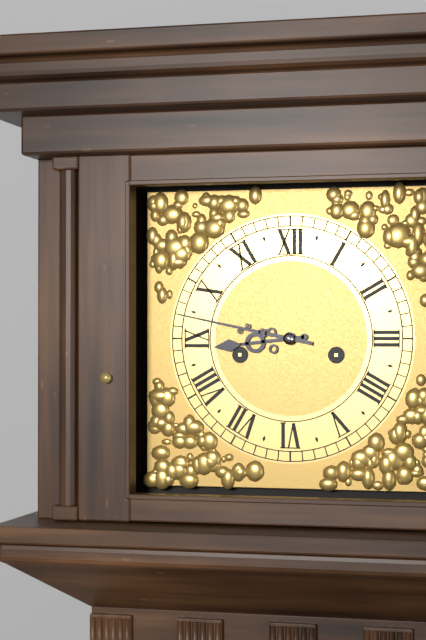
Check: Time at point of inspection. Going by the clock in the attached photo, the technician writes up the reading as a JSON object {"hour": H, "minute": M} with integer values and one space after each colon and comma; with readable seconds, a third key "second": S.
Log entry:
{"hour": 8, "minute": 47}
